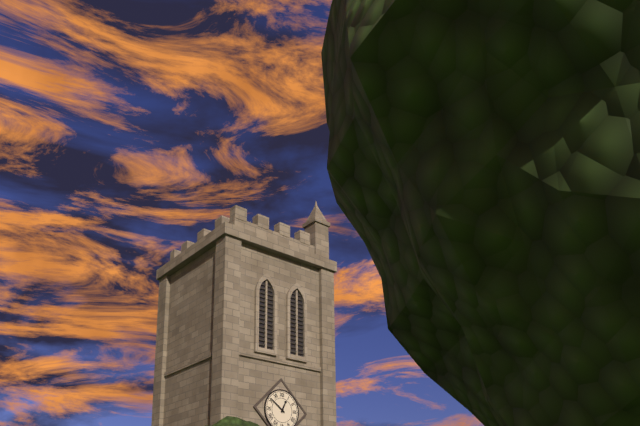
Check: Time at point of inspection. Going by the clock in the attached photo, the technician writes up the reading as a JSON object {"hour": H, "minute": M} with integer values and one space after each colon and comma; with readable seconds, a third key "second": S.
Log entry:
{"hour": 12, "minute": 51}
